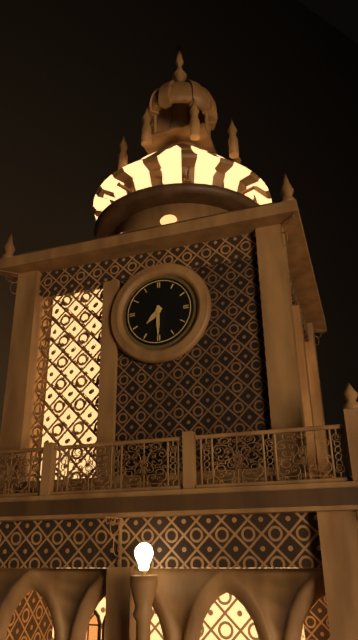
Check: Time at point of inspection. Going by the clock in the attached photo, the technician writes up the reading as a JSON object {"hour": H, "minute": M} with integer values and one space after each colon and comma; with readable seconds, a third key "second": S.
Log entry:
{"hour": 7, "minute": 30}
